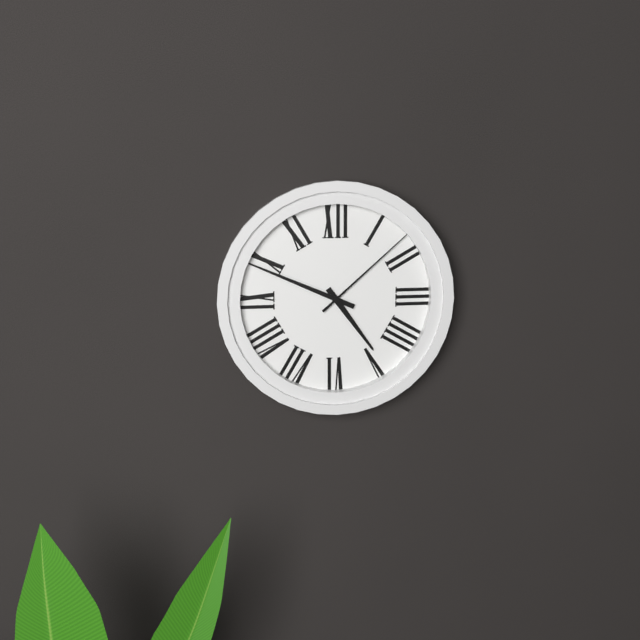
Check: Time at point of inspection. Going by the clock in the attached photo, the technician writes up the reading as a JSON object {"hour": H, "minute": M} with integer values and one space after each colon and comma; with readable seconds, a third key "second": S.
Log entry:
{"hour": 4, "minute": 49, "second": 8}
